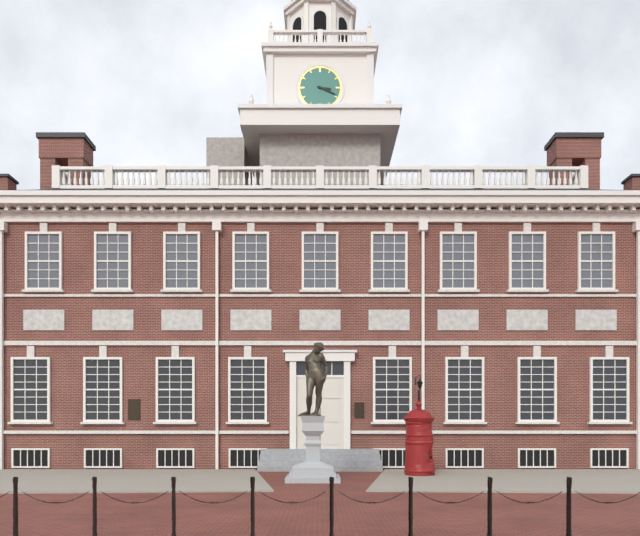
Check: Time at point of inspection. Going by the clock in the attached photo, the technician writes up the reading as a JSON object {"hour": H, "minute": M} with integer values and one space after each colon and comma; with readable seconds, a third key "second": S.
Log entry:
{"hour": 3, "minute": 19}
